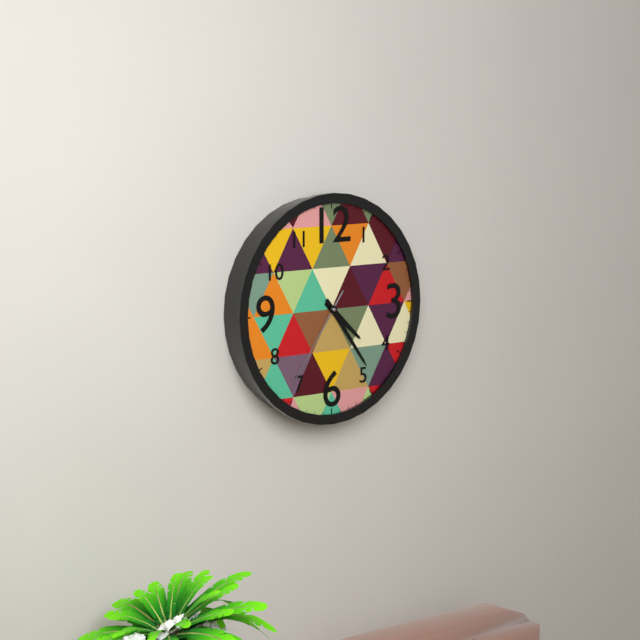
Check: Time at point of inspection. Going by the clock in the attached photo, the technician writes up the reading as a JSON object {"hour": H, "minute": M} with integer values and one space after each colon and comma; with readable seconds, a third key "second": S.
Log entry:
{"hour": 4, "minute": 24, "second": 36}
